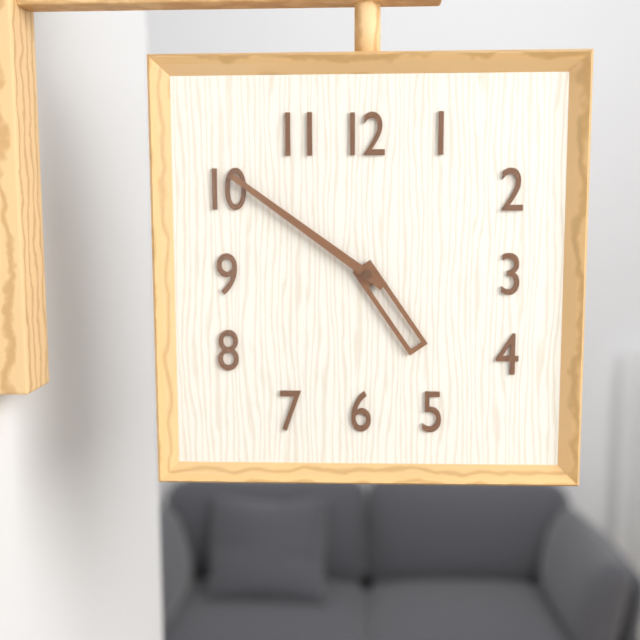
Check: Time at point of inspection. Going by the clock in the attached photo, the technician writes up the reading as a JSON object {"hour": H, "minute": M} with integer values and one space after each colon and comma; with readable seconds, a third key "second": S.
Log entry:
{"hour": 4, "minute": 51}
